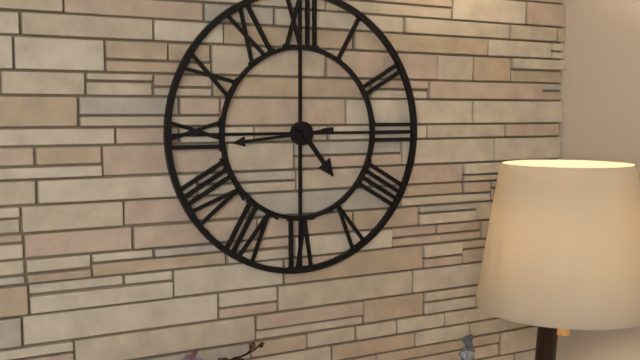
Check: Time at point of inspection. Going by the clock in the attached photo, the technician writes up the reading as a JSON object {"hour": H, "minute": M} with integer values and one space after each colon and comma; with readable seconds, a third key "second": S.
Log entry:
{"hour": 4, "minute": 44}
